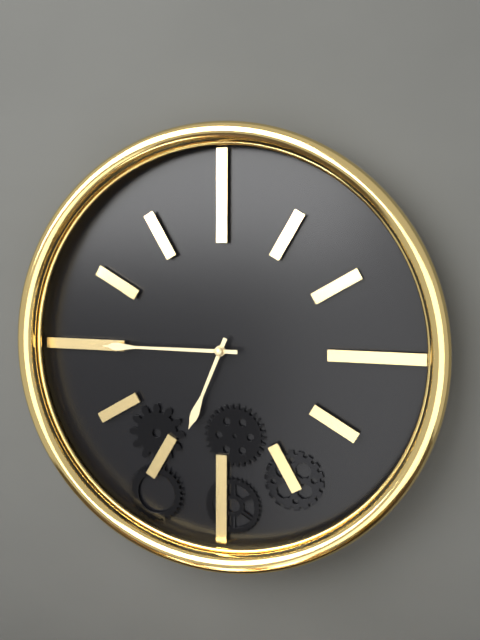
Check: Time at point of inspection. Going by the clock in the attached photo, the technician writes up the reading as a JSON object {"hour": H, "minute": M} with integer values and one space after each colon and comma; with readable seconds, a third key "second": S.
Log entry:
{"hour": 6, "minute": 45}
